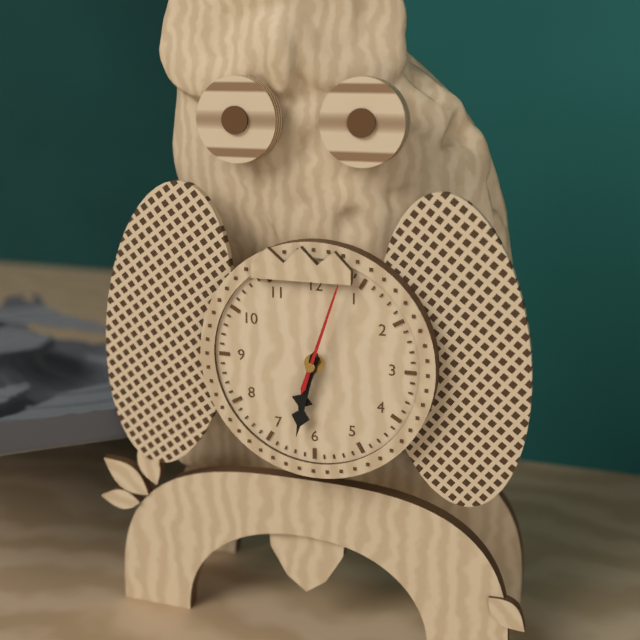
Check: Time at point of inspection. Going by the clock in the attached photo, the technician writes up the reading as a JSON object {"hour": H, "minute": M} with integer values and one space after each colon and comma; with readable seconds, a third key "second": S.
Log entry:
{"hour": 6, "minute": 32, "second": 3}
